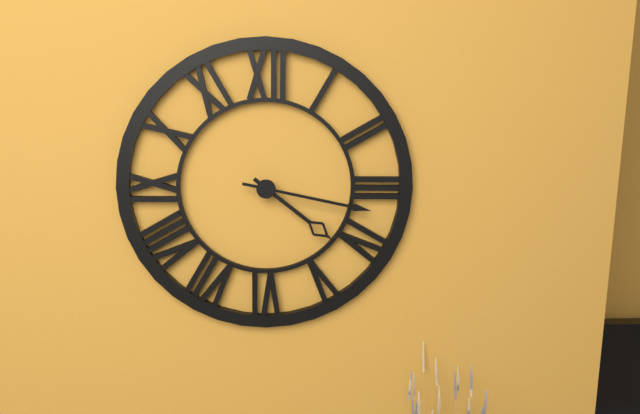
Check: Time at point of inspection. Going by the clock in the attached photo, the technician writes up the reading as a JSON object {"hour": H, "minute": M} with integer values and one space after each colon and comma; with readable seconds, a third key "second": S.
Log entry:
{"hour": 4, "minute": 17}
